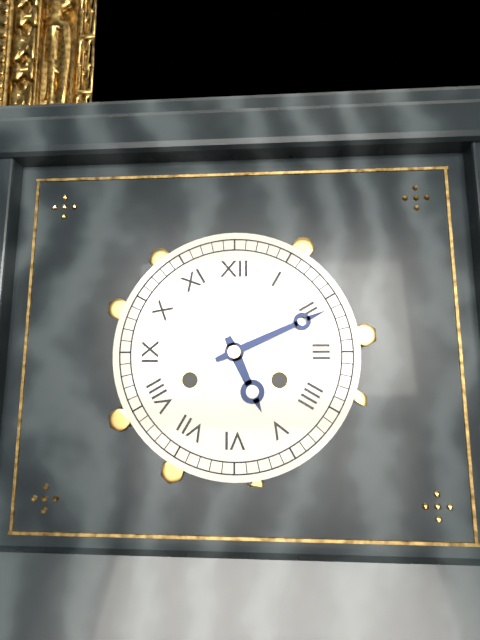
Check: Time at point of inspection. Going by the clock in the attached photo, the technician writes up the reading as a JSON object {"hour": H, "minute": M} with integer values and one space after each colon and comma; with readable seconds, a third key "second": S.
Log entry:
{"hour": 5, "minute": 11}
